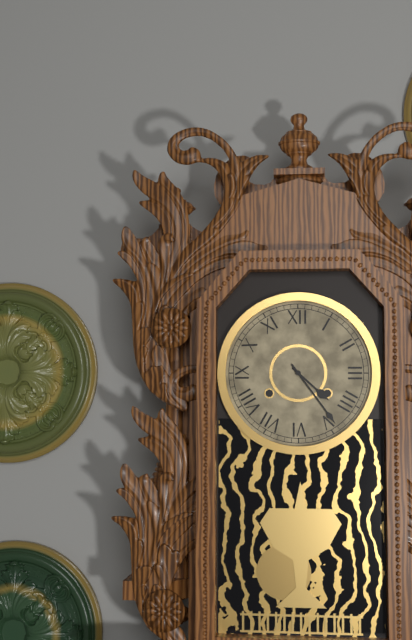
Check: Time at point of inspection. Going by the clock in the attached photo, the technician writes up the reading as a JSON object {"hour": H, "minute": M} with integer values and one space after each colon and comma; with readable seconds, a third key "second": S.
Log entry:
{"hour": 4, "minute": 24}
